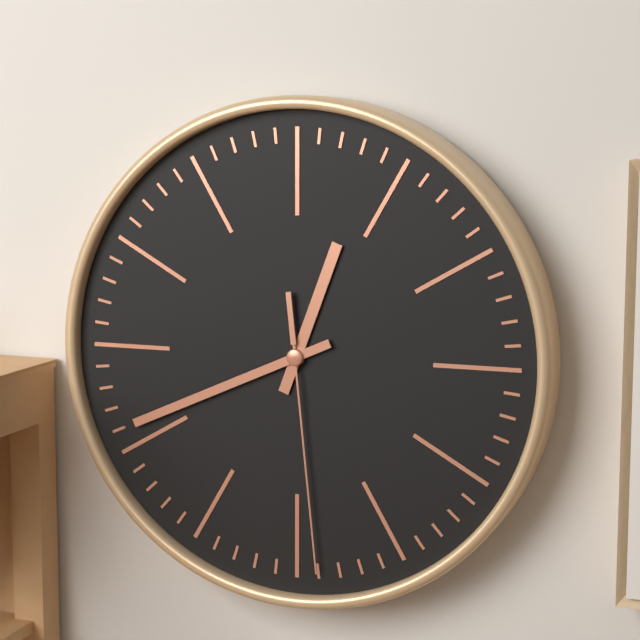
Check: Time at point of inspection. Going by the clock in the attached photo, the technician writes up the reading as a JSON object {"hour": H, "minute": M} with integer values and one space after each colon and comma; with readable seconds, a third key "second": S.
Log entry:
{"hour": 12, "minute": 41, "second": 29}
